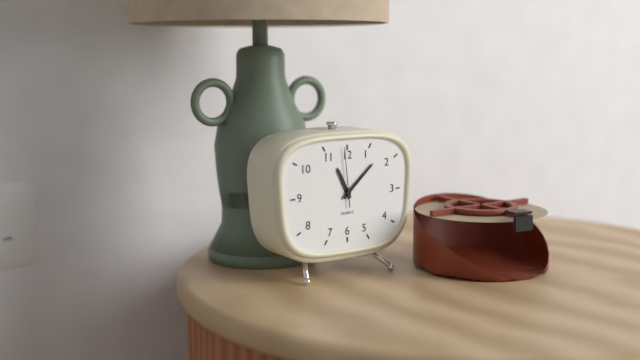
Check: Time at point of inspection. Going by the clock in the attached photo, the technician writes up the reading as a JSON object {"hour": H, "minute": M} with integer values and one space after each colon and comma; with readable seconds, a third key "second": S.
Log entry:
{"hour": 11, "minute": 8, "second": 59}
